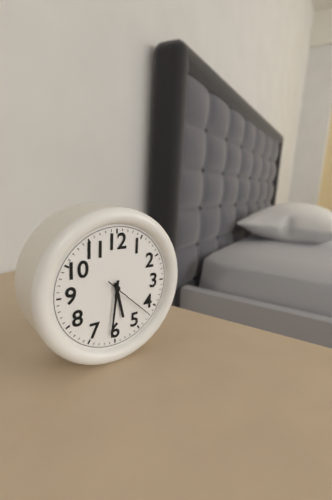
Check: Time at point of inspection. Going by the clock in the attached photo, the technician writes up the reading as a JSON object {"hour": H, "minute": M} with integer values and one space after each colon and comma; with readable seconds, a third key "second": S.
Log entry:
{"hour": 5, "minute": 31, "second": 22}
